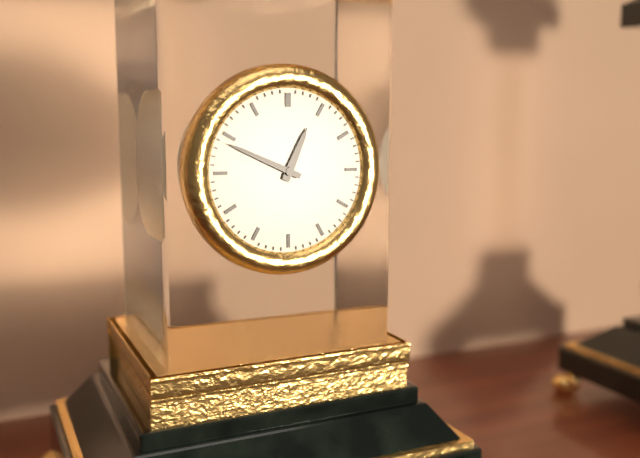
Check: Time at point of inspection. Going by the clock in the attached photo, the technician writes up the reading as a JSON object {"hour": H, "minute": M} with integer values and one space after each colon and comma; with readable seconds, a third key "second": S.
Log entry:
{"hour": 12, "minute": 49}
